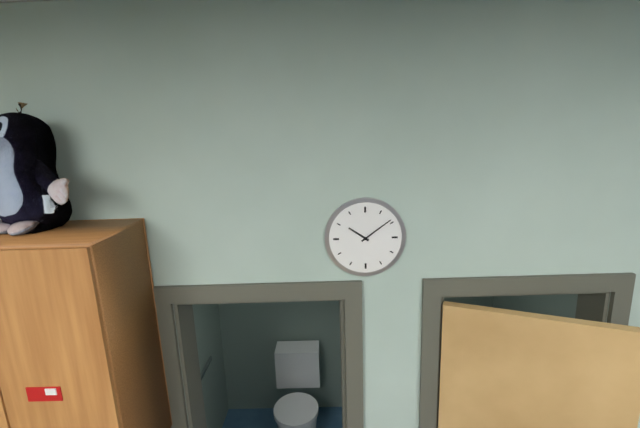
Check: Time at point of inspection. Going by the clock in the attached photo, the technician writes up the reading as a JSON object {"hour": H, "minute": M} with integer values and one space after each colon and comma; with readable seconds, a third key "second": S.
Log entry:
{"hour": 10, "minute": 9}
